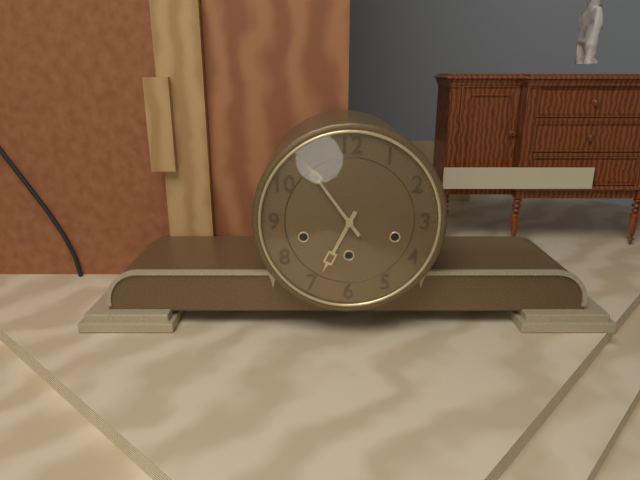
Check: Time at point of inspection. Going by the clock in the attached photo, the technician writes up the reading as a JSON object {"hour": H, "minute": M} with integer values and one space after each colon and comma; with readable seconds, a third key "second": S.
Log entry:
{"hour": 6, "minute": 54}
